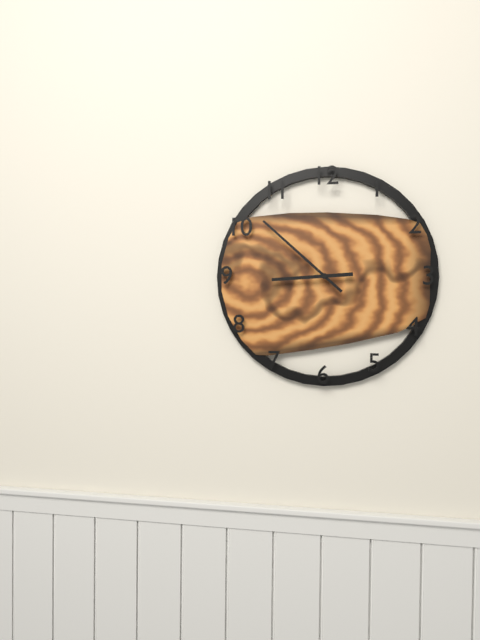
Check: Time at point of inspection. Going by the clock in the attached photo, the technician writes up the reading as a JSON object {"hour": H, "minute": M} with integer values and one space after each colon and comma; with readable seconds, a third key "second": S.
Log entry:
{"hour": 8, "minute": 52}
